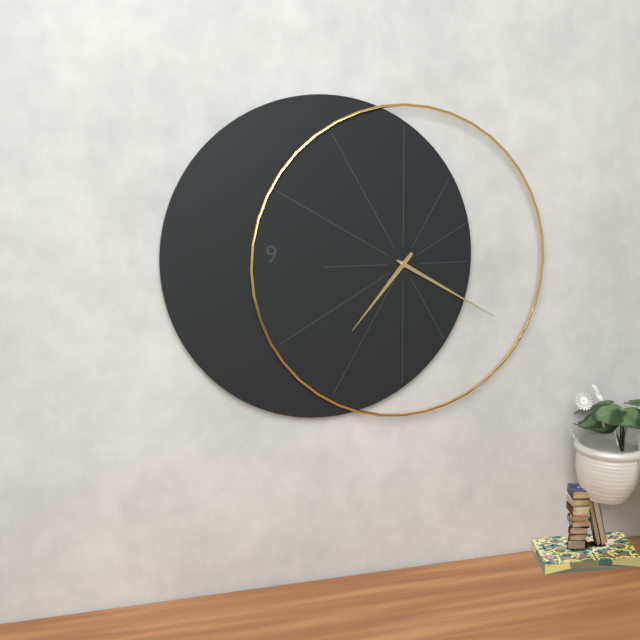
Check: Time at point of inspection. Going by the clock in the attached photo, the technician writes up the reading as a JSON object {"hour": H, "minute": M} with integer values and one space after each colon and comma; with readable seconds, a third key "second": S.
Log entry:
{"hour": 7, "minute": 20}
